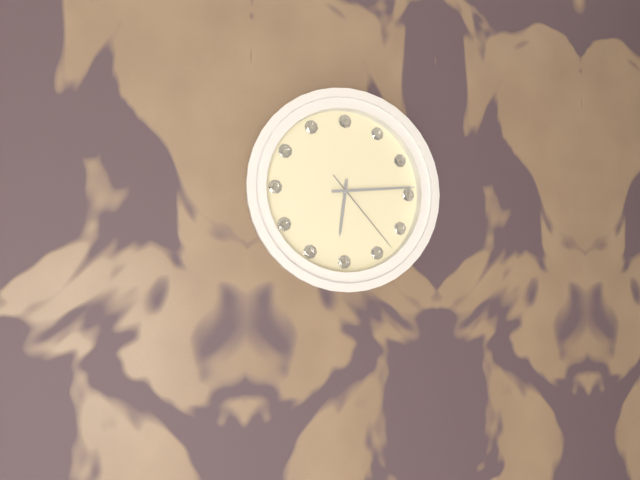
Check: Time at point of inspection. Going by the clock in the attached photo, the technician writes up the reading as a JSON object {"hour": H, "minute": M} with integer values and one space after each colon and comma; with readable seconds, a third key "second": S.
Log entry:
{"hour": 6, "minute": 14, "second": 23}
